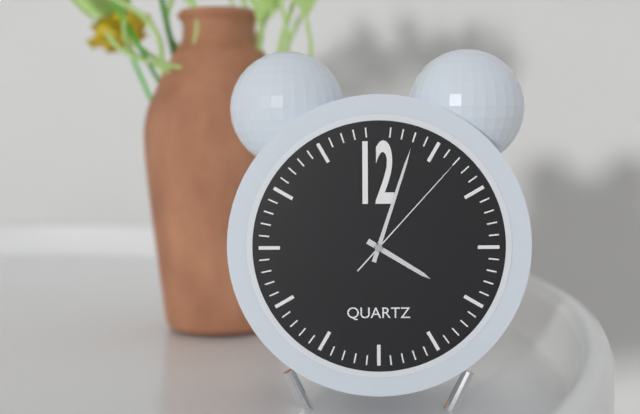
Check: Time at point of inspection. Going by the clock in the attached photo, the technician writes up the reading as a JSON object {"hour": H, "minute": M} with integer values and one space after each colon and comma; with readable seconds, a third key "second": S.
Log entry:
{"hour": 4, "minute": 3, "second": 7}
